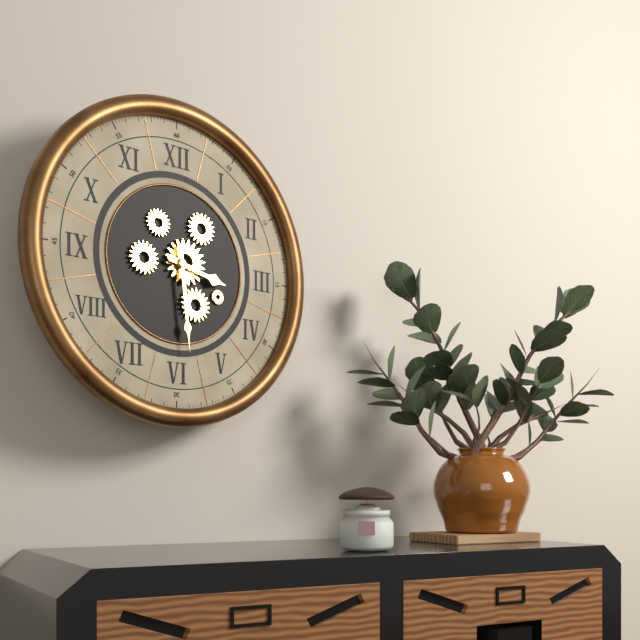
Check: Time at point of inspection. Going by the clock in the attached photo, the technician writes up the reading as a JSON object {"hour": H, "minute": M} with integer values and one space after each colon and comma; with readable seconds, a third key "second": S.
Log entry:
{"hour": 3, "minute": 29}
